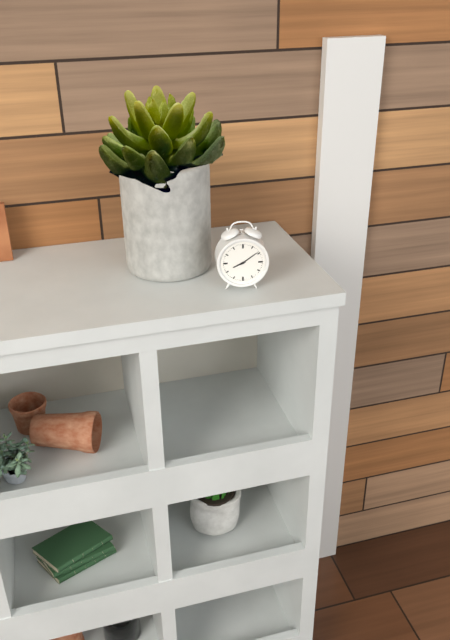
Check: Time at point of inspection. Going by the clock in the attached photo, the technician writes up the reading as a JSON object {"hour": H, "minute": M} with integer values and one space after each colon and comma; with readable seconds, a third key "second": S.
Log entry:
{"hour": 8, "minute": 9}
